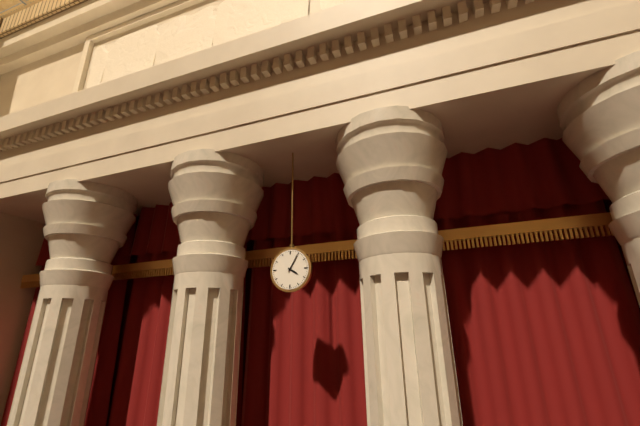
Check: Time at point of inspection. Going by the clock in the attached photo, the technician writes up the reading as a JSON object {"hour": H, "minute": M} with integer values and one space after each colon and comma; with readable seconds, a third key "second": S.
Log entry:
{"hour": 4, "minute": 5}
